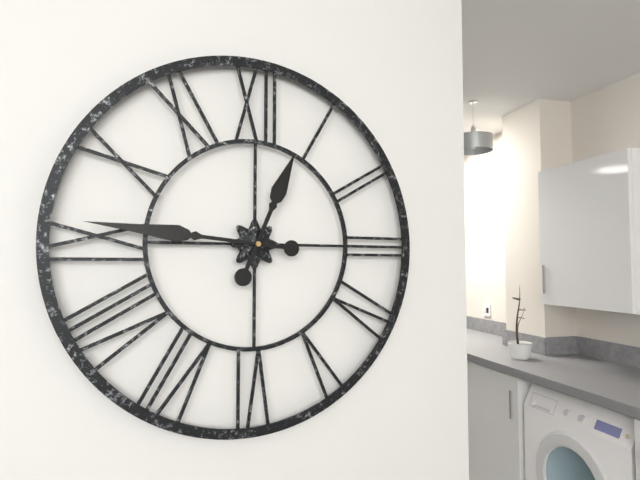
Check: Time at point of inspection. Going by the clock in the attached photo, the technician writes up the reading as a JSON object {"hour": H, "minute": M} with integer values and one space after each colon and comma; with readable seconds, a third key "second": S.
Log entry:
{"hour": 12, "minute": 46}
